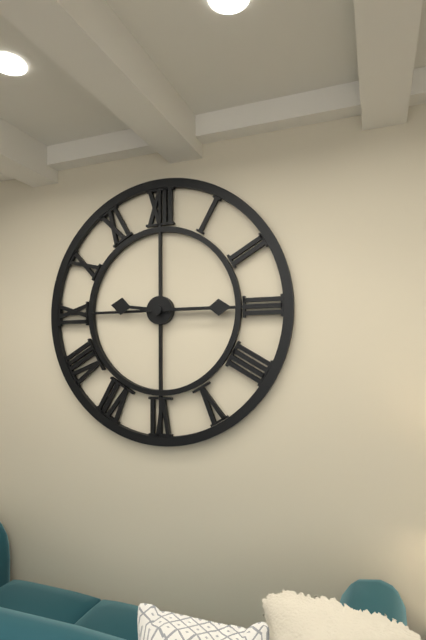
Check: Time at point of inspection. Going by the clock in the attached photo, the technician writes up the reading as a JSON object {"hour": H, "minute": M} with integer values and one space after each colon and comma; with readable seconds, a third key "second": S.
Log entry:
{"hour": 9, "minute": 15}
